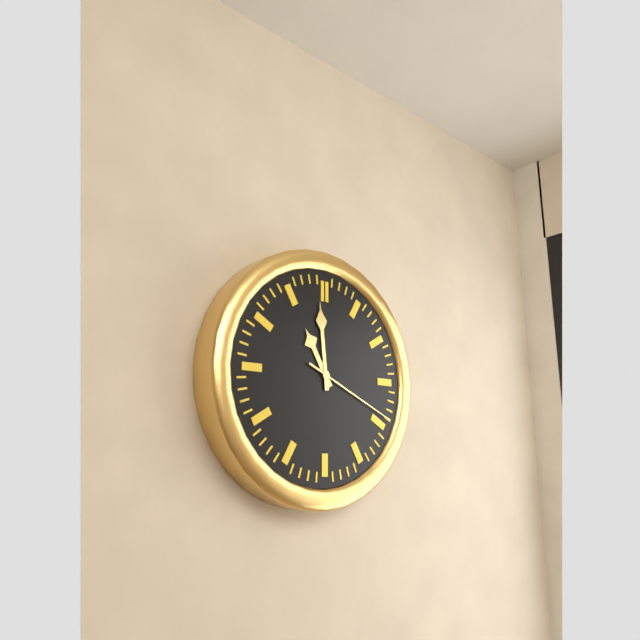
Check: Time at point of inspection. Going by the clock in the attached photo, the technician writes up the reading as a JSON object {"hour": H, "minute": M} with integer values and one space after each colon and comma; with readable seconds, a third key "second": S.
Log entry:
{"hour": 10, "minute": 59, "second": 19}
